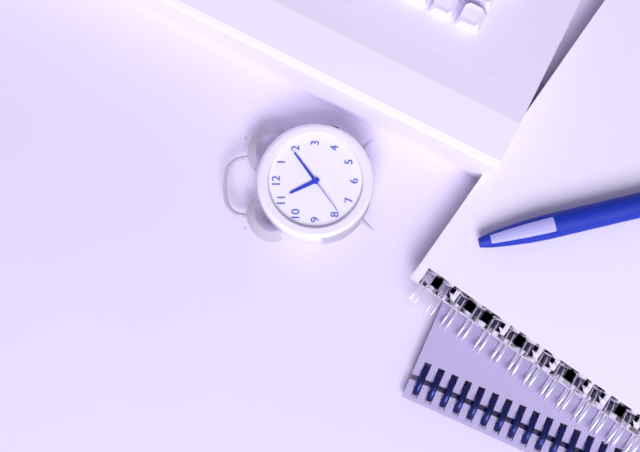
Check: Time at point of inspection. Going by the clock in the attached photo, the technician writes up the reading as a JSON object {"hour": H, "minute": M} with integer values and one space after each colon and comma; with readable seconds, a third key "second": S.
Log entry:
{"hour": 11, "minute": 9}
